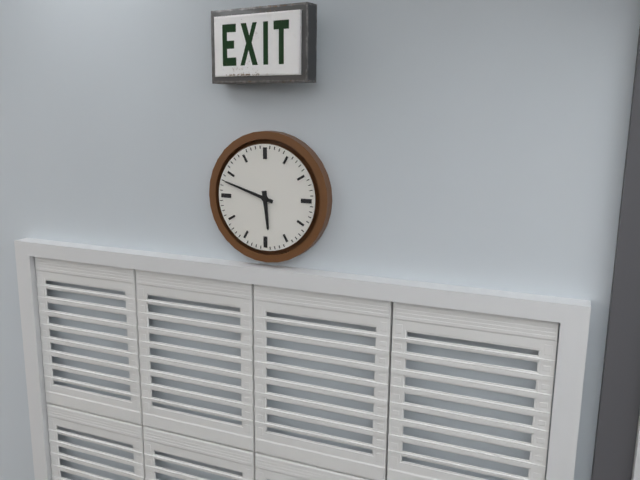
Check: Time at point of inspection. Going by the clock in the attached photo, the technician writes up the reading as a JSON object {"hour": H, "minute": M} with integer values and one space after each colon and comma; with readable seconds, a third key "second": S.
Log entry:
{"hour": 5, "minute": 48}
